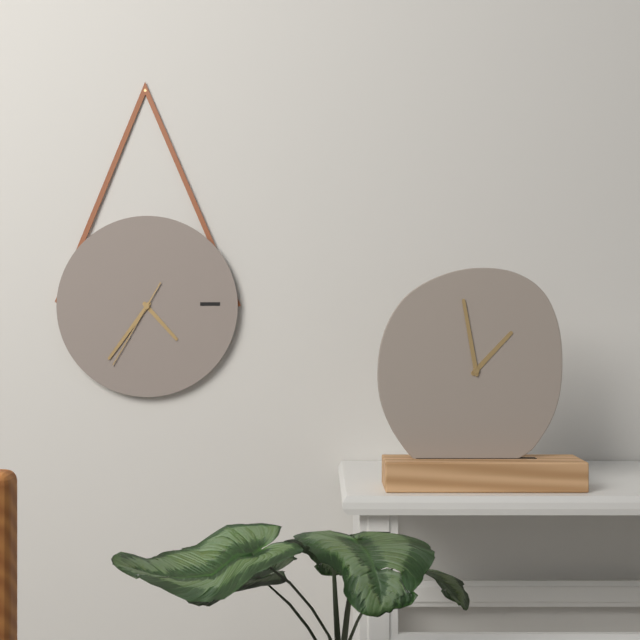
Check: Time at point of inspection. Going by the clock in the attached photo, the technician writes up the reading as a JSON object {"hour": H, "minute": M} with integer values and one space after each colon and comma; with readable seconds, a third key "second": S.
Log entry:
{"hour": 4, "minute": 36, "second": 35}
